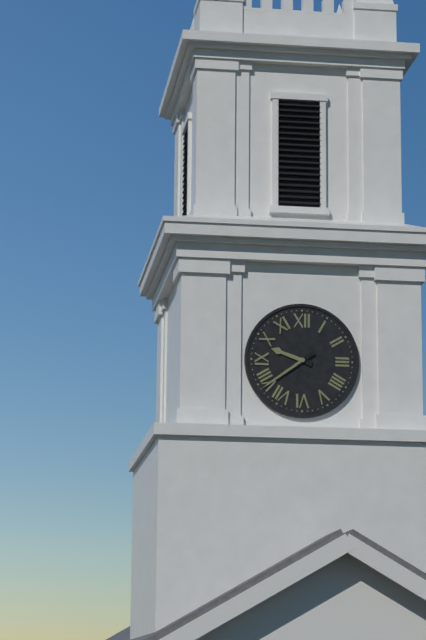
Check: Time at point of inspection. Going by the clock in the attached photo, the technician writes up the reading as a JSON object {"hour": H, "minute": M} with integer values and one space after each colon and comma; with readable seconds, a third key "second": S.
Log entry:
{"hour": 9, "minute": 39}
